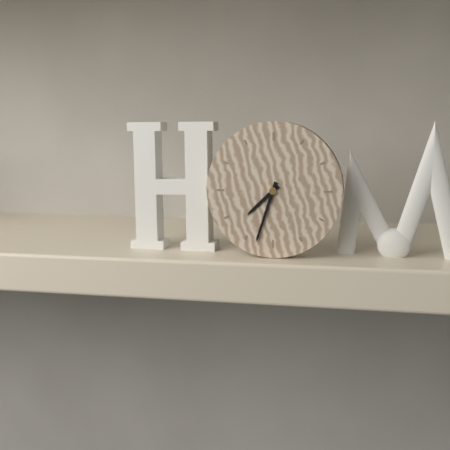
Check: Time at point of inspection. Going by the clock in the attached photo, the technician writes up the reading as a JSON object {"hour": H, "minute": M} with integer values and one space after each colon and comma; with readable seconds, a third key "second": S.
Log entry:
{"hour": 7, "minute": 33}
